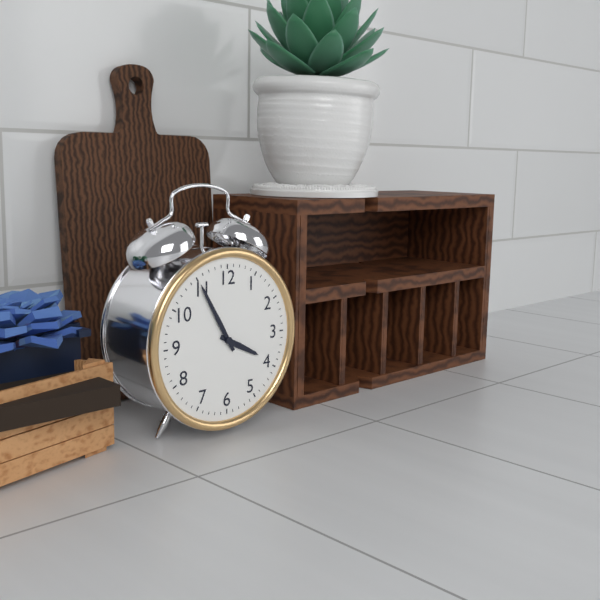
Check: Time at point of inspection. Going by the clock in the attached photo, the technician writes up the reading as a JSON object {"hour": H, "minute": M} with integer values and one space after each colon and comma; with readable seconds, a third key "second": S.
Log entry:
{"hour": 3, "minute": 55}
